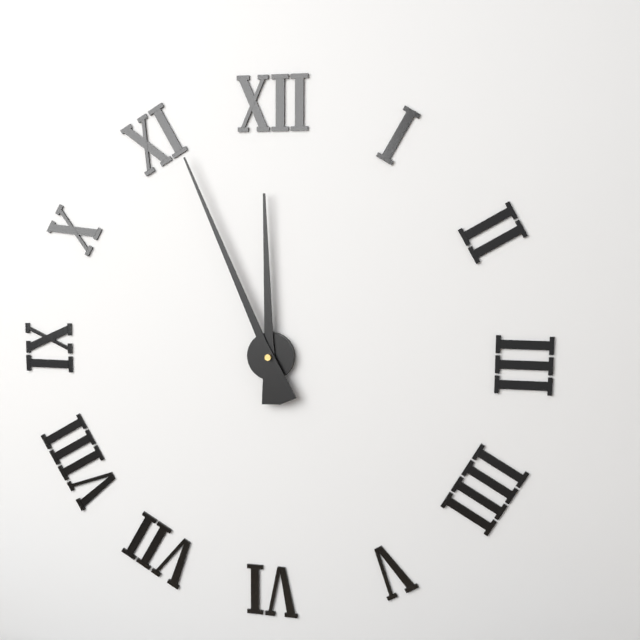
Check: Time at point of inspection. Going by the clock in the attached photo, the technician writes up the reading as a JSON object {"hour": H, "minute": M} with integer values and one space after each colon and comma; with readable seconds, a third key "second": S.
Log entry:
{"hour": 11, "minute": 56}
